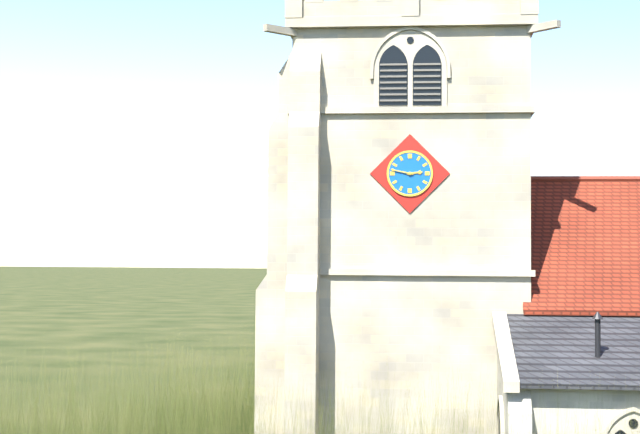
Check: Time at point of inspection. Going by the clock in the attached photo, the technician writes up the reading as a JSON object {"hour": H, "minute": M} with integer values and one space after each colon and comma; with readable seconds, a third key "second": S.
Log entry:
{"hour": 2, "minute": 47}
